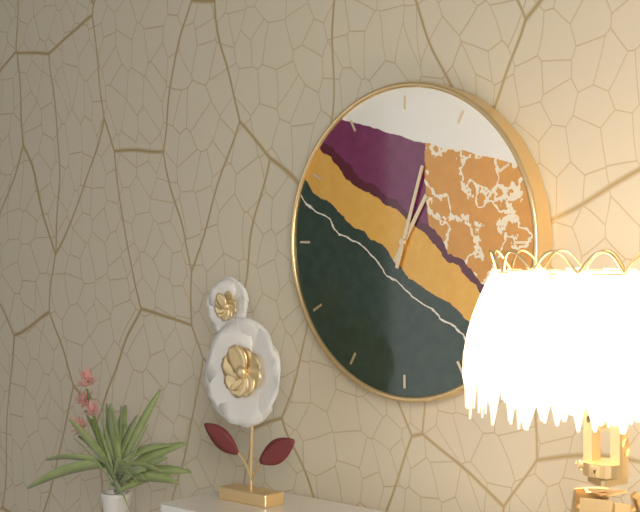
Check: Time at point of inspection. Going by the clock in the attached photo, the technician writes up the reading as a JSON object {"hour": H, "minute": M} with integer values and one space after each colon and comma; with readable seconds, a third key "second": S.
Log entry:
{"hour": 1, "minute": 3}
